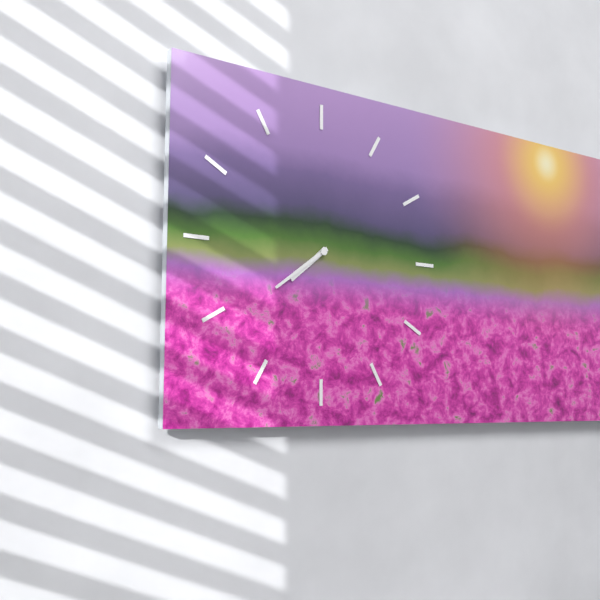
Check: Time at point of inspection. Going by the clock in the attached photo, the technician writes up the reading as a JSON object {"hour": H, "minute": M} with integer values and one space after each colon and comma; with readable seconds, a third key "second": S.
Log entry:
{"hour": 7, "minute": 39}
